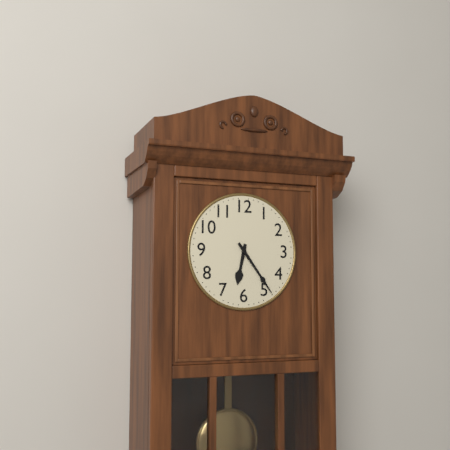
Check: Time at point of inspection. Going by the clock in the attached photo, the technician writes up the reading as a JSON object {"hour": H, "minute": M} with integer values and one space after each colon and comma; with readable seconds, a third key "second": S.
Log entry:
{"hour": 6, "minute": 24}
